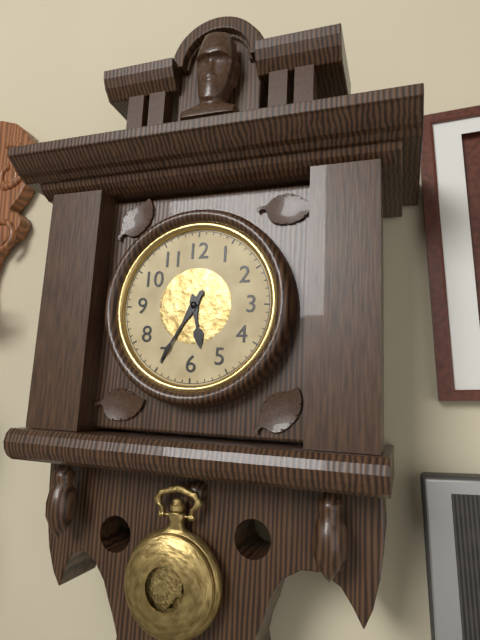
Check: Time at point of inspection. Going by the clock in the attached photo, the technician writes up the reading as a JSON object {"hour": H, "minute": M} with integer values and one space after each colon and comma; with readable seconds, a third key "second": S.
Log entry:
{"hour": 5, "minute": 35}
